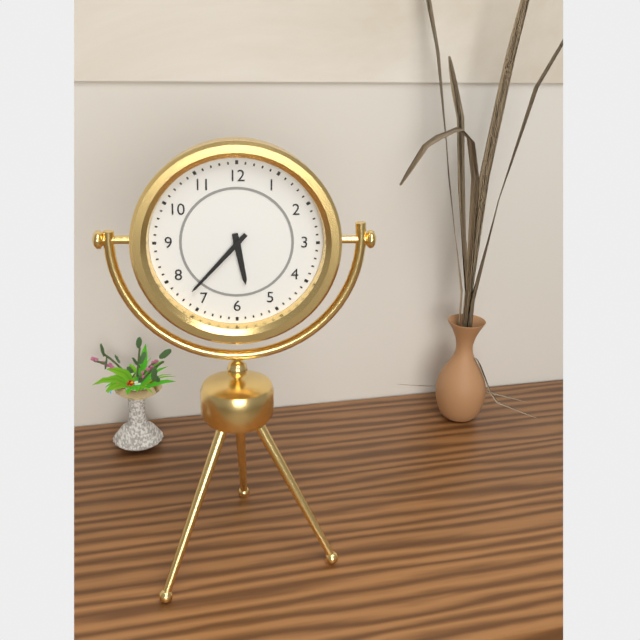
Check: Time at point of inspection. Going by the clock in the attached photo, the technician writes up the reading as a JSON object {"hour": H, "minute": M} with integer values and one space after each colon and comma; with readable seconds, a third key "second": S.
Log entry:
{"hour": 5, "minute": 37}
